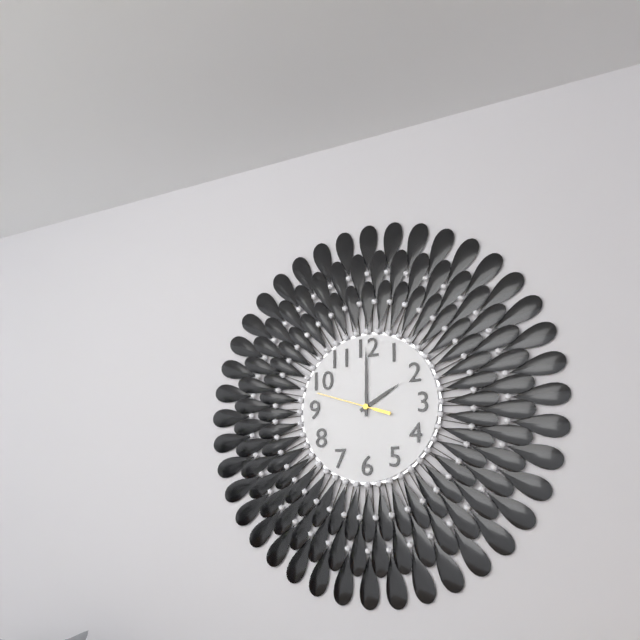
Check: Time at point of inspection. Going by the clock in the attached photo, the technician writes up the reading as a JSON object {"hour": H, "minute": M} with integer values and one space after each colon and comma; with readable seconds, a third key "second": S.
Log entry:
{"hour": 2, "minute": 0, "second": 48}
